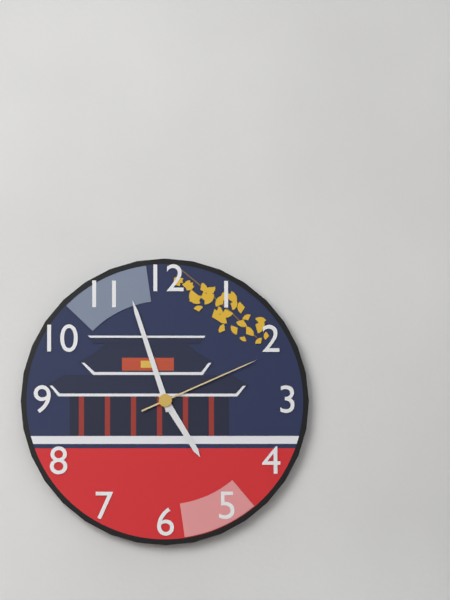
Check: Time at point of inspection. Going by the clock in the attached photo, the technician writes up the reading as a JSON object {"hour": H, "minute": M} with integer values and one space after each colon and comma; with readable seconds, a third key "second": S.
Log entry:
{"hour": 4, "minute": 57, "second": 11}
